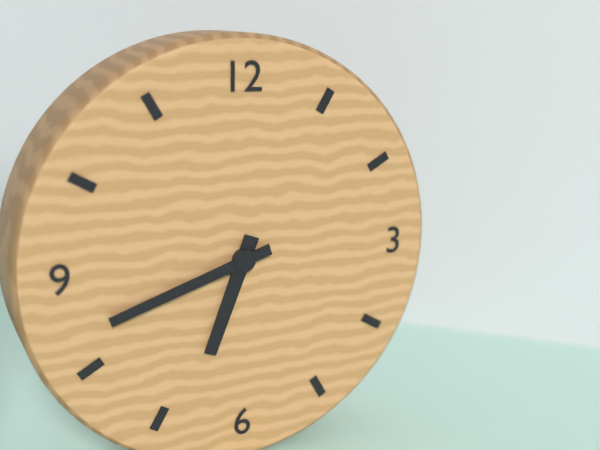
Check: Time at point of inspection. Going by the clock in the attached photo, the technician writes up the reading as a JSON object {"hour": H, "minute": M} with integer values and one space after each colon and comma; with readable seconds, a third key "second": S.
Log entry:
{"hour": 6, "minute": 42}
